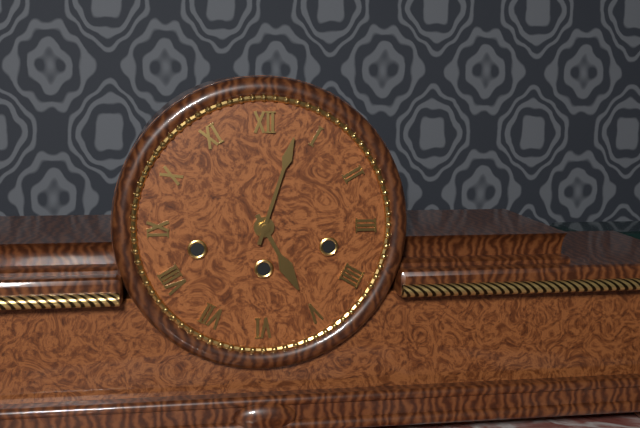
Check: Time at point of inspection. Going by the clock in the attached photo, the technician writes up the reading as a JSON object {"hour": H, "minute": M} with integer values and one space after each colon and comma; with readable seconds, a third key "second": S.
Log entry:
{"hour": 5, "minute": 3}
